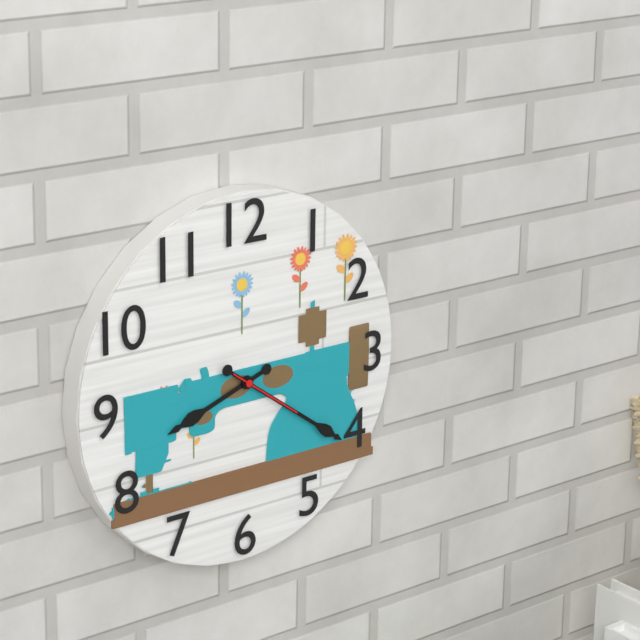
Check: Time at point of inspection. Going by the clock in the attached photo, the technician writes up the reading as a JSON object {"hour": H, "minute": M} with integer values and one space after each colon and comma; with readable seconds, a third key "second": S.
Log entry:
{"hour": 8, "minute": 21, "second": 21}
